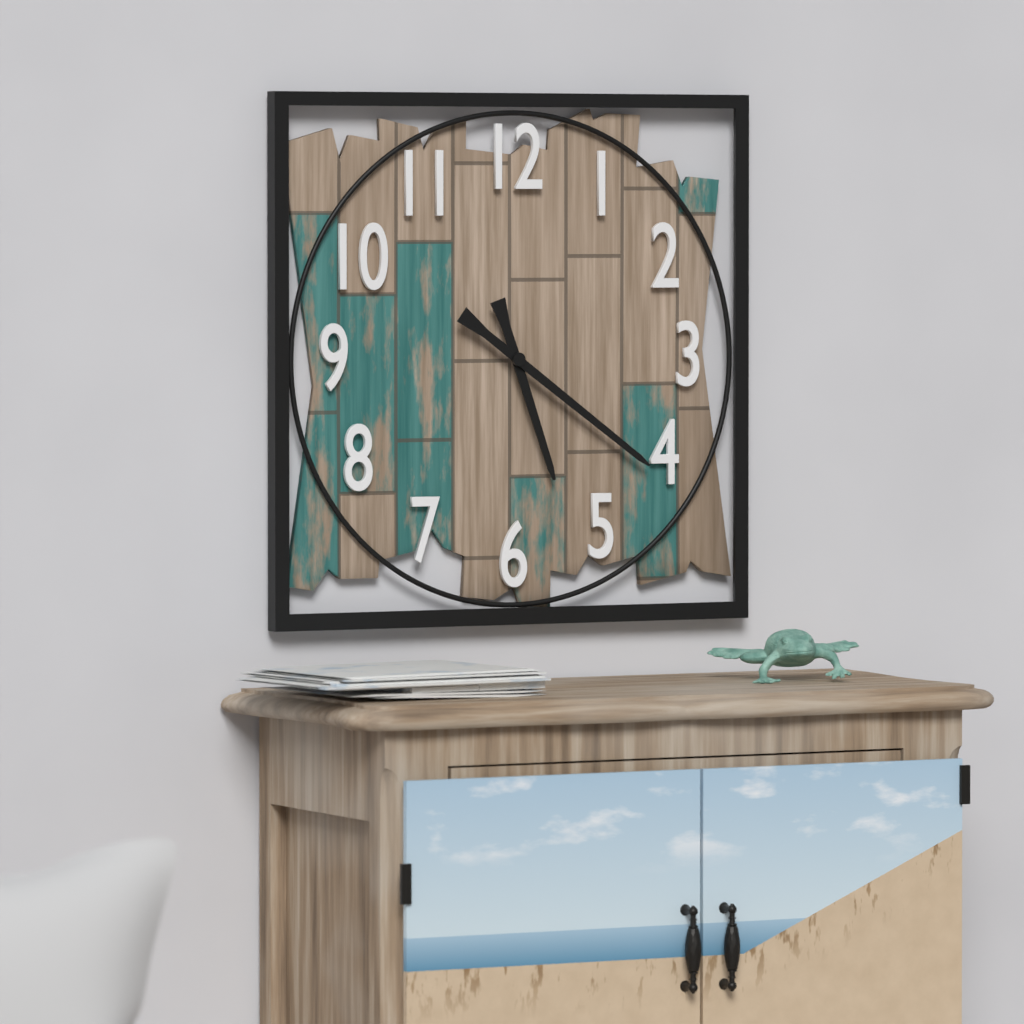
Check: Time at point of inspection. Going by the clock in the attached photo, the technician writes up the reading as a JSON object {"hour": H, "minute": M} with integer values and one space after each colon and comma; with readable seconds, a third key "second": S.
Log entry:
{"hour": 5, "minute": 21}
